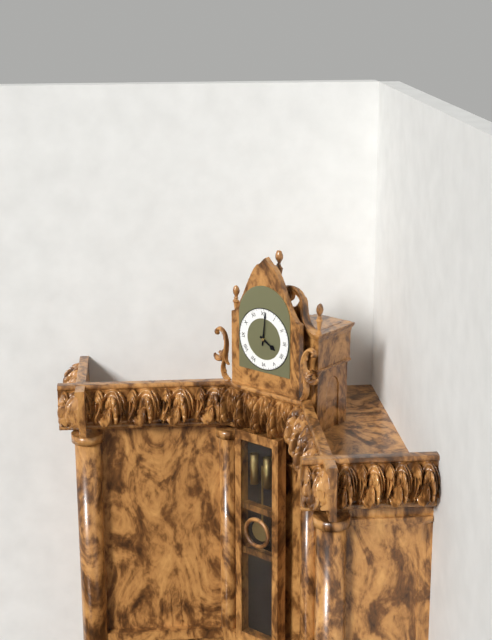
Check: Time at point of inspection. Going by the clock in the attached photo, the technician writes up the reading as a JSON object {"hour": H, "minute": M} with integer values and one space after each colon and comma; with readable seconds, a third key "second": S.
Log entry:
{"hour": 4, "minute": 1}
